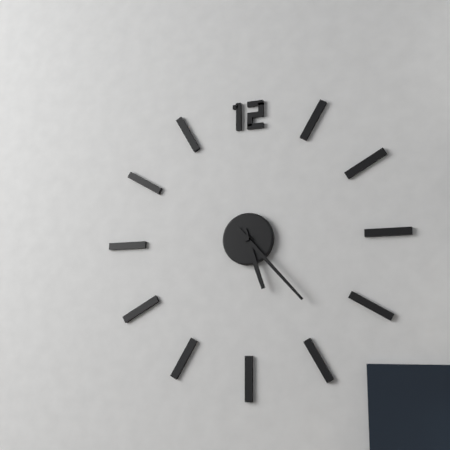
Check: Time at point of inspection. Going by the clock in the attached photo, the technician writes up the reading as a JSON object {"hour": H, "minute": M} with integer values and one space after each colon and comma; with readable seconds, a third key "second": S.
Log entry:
{"hour": 5, "minute": 23}
